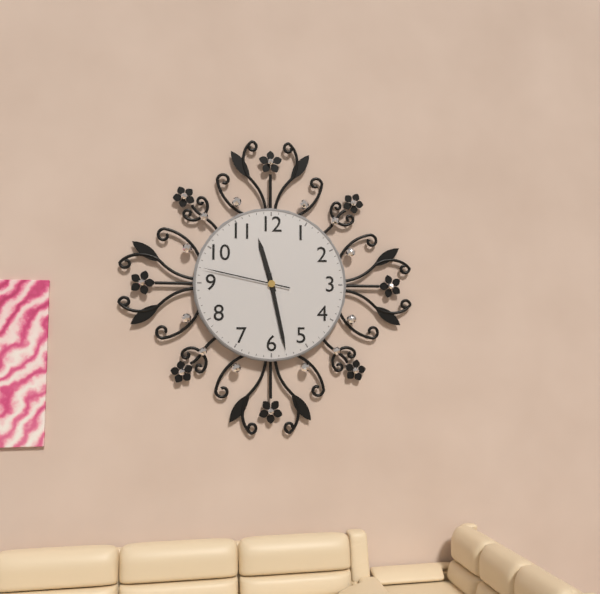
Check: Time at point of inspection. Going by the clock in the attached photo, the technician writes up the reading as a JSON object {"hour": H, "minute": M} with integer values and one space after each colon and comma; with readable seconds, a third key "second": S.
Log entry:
{"hour": 11, "minute": 28, "second": 47}
